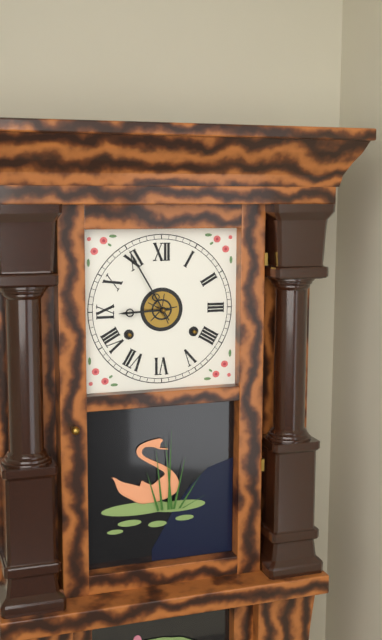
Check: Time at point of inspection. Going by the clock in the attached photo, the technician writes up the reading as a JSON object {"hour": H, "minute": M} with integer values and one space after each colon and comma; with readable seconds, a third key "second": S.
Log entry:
{"hour": 8, "minute": 55}
